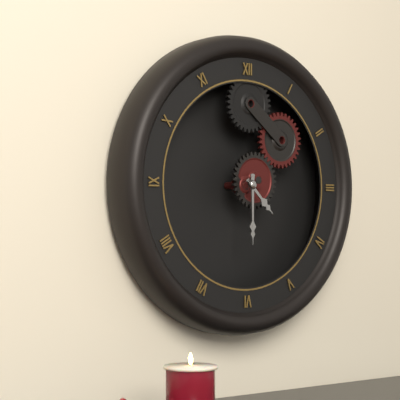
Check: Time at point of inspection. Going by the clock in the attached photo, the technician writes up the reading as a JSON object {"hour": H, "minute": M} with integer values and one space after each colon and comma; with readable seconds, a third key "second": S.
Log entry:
{"hour": 4, "minute": 30}
